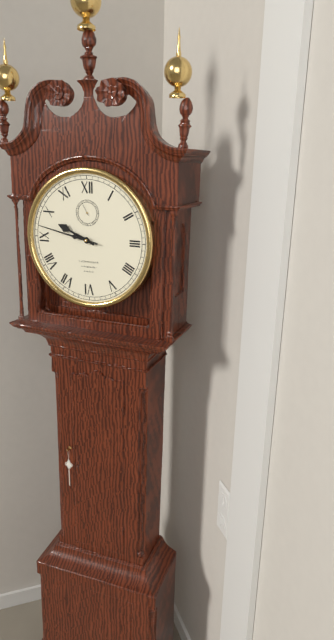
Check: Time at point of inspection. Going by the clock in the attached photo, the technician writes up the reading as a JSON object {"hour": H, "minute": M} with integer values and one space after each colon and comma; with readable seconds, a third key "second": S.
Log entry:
{"hour": 9, "minute": 47}
